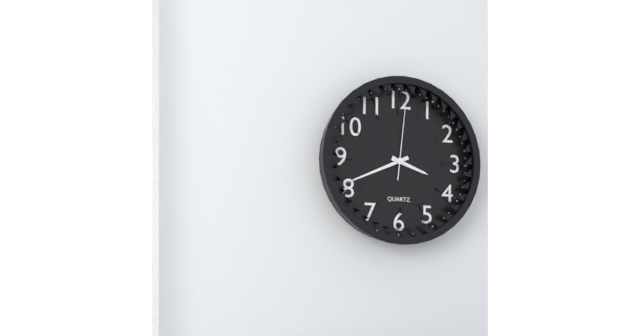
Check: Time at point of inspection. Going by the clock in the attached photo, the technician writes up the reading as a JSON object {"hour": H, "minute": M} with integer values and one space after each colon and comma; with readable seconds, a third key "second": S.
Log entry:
{"hour": 3, "minute": 41, "second": 1}
